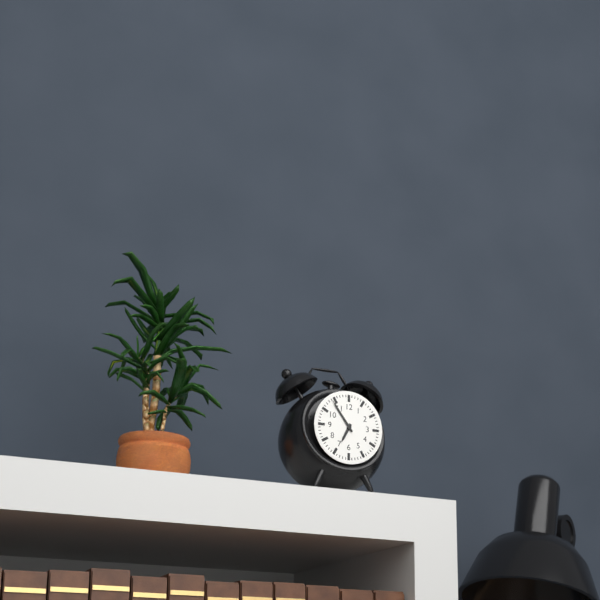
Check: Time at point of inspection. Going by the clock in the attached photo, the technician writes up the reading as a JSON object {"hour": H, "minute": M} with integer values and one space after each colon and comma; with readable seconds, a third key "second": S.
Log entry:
{"hour": 6, "minute": 54}
